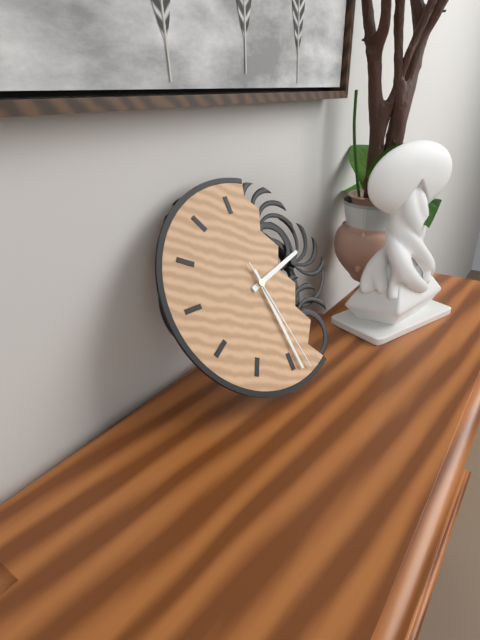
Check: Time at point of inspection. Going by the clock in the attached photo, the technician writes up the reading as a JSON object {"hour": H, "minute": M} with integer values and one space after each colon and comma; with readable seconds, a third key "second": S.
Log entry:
{"hour": 2, "minute": 29, "second": 28}
